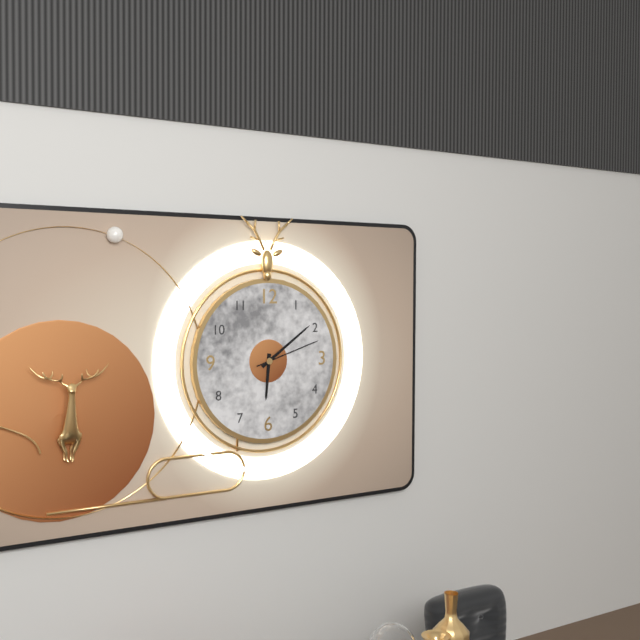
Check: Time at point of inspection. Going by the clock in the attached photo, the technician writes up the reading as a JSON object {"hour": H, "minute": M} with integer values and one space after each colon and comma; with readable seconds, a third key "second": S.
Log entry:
{"hour": 6, "minute": 9, "second": 12}
